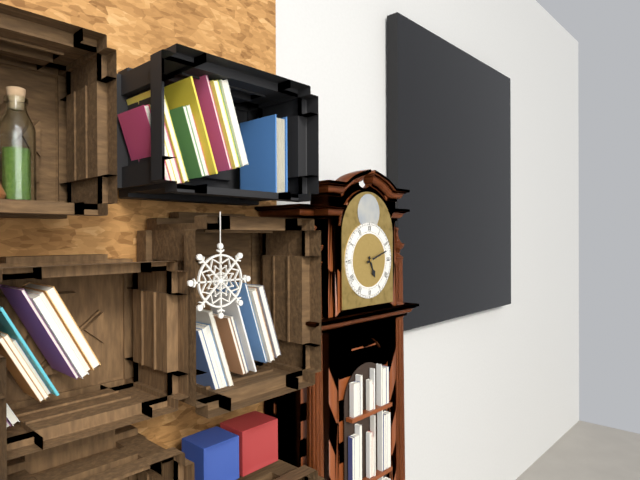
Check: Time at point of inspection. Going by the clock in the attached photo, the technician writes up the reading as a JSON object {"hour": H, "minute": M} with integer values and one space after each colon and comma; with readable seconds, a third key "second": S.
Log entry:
{"hour": 5, "minute": 12}
